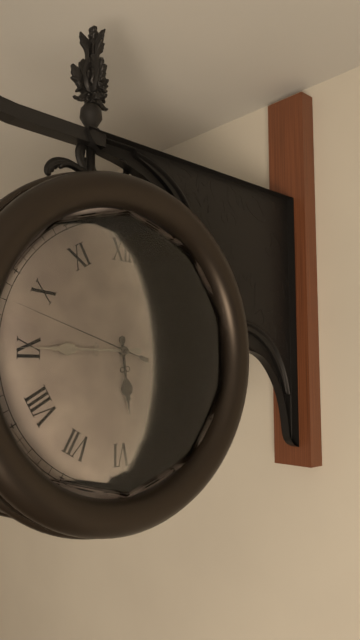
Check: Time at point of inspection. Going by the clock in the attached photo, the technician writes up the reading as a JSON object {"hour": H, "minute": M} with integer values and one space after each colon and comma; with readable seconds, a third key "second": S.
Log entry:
{"hour": 5, "minute": 45, "second": 48}
